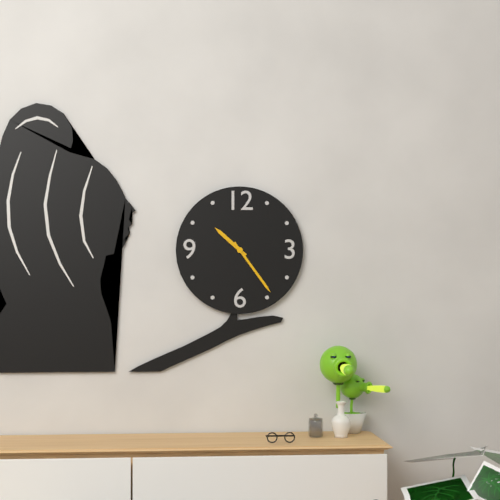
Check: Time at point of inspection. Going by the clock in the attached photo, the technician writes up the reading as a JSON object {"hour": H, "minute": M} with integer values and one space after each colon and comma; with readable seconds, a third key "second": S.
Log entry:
{"hour": 10, "minute": 24}
